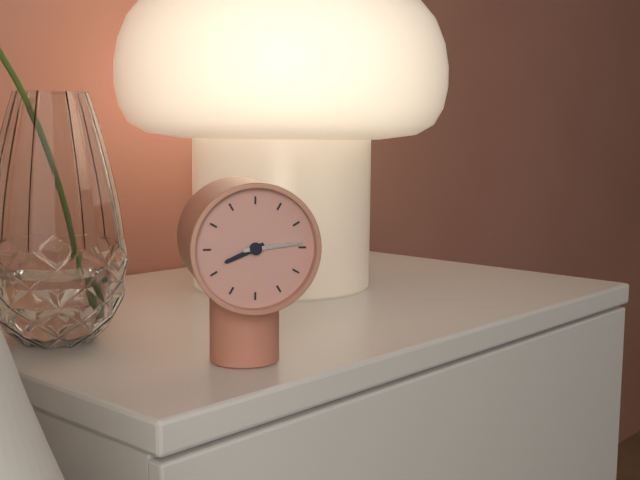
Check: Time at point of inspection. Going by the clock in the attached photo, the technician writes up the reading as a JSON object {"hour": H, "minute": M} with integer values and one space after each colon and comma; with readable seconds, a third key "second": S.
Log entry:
{"hour": 8, "minute": 14}
